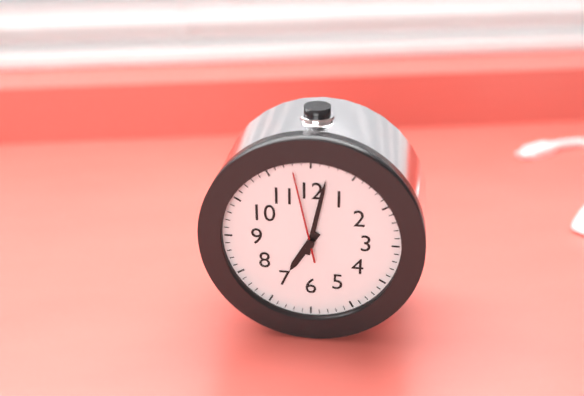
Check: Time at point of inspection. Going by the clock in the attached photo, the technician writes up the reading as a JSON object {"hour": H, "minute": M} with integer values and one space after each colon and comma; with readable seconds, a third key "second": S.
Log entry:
{"hour": 7, "minute": 2, "second": 58}
